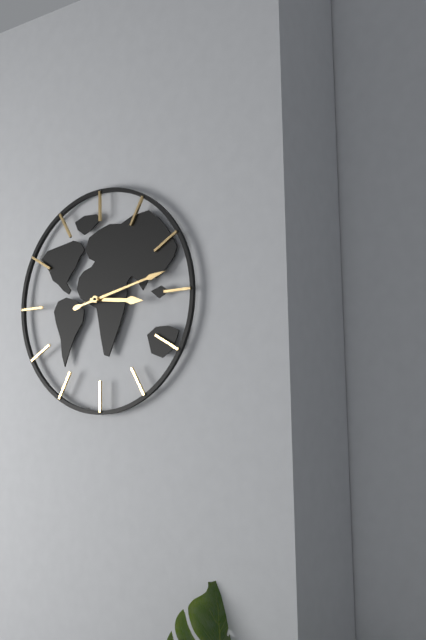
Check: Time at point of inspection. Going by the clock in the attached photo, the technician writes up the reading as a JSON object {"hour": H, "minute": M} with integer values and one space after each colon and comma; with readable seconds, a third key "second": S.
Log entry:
{"hour": 3, "minute": 13}
